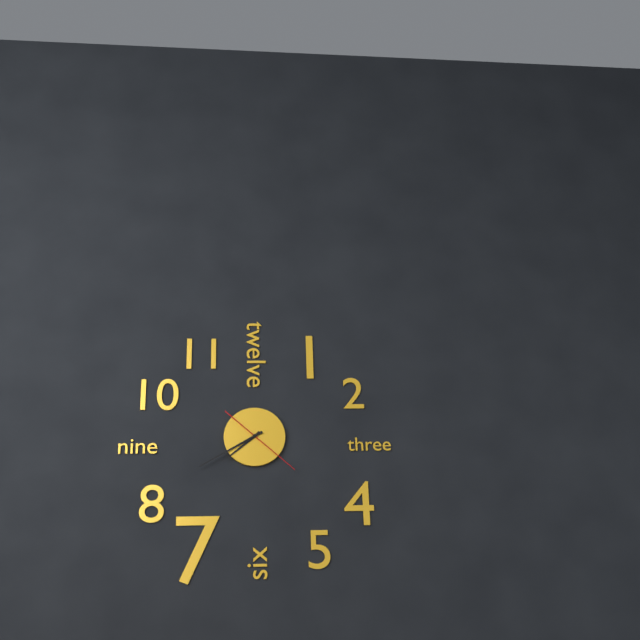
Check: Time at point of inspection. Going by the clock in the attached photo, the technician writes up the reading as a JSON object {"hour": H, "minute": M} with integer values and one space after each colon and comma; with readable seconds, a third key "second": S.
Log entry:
{"hour": 7, "minute": 40, "second": 22}
